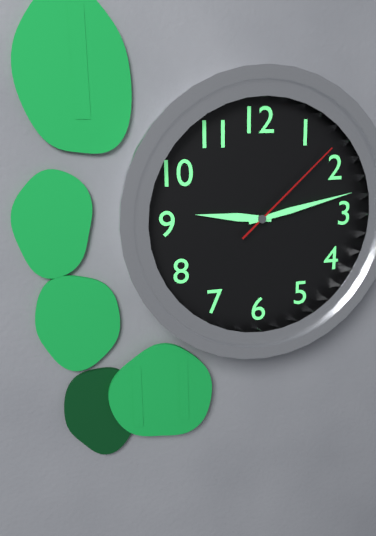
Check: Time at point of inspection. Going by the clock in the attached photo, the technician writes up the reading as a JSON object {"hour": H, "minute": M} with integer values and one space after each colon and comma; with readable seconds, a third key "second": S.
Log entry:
{"hour": 9, "minute": 13, "second": 8}
